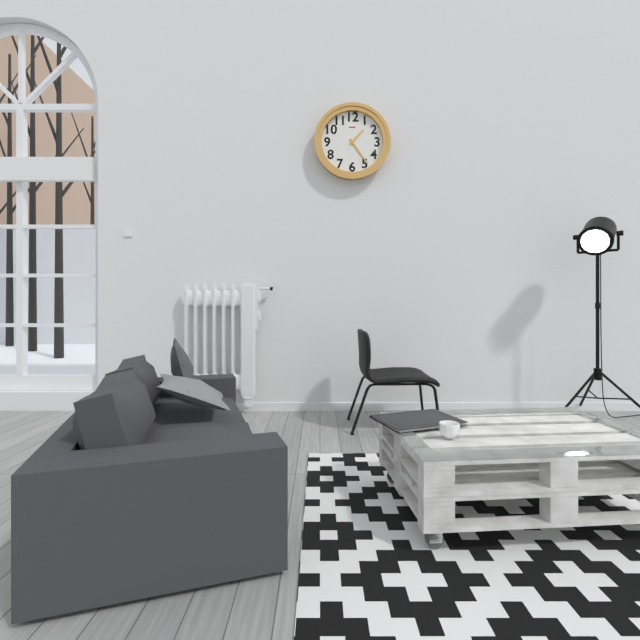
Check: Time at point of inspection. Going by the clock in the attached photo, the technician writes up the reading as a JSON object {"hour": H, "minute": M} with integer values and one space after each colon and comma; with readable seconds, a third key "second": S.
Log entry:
{"hour": 1, "minute": 24}
